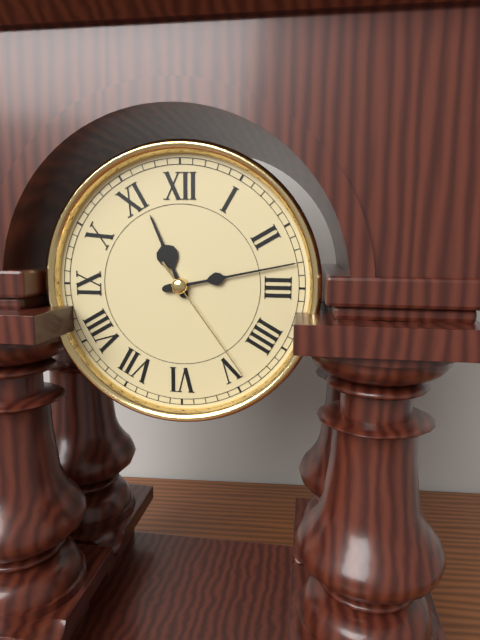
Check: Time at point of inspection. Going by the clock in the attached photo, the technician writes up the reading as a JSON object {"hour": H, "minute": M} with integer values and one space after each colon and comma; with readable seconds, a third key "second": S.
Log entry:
{"hour": 11, "minute": 13, "second": 24}
